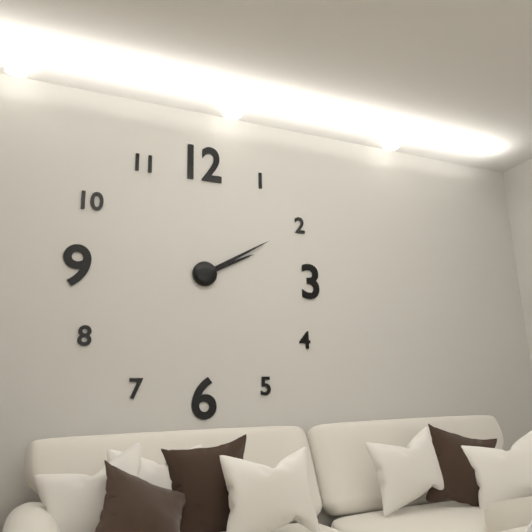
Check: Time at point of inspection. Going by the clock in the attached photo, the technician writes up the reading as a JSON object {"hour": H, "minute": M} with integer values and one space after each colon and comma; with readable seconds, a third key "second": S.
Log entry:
{"hour": 2, "minute": 10}
